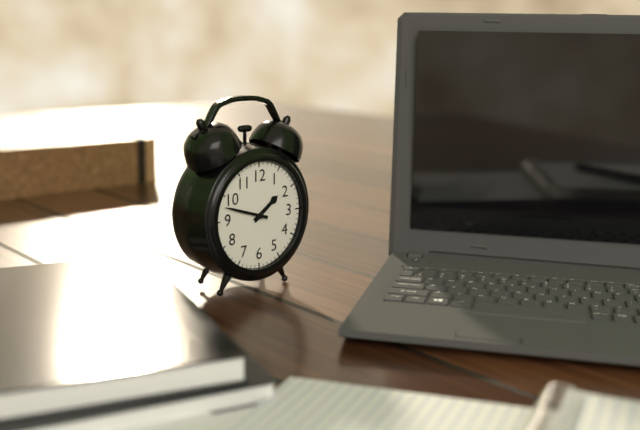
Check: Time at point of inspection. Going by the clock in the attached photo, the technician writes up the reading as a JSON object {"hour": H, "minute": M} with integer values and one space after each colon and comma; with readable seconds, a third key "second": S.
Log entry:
{"hour": 1, "minute": 48}
